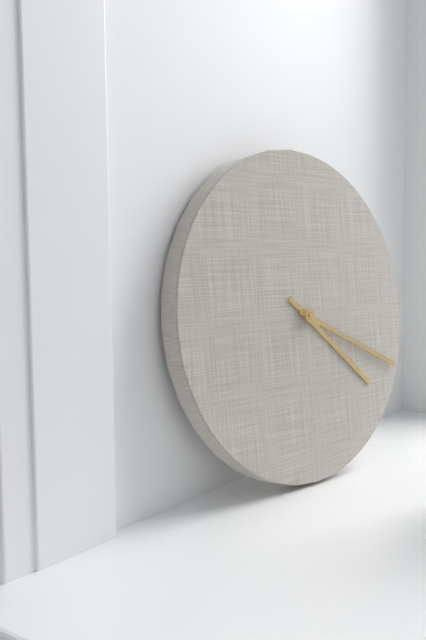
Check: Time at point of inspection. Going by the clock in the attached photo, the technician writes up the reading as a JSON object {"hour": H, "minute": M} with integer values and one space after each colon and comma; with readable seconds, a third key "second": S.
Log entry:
{"hour": 4, "minute": 19}
